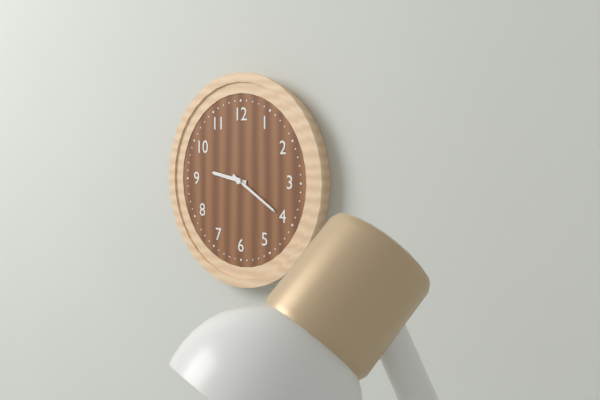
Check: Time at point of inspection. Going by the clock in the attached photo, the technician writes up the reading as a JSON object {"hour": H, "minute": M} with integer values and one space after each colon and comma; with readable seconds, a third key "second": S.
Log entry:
{"hour": 9, "minute": 20}
